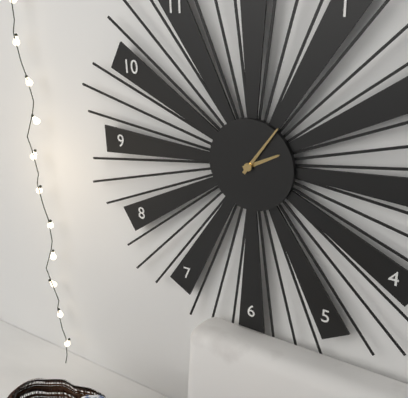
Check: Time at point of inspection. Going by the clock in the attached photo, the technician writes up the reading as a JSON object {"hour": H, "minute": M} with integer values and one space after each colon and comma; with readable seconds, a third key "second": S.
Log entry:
{"hour": 2, "minute": 6}
